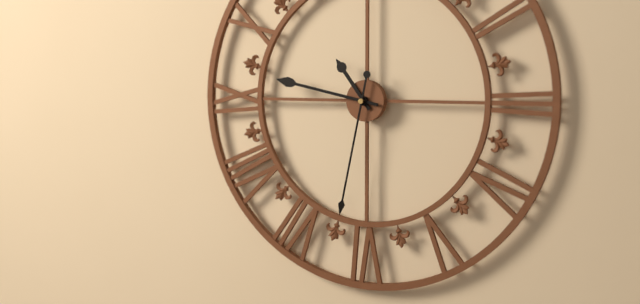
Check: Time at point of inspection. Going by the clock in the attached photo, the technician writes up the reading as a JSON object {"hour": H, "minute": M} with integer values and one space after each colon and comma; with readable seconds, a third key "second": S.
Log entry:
{"hour": 10, "minute": 47, "second": 32}
